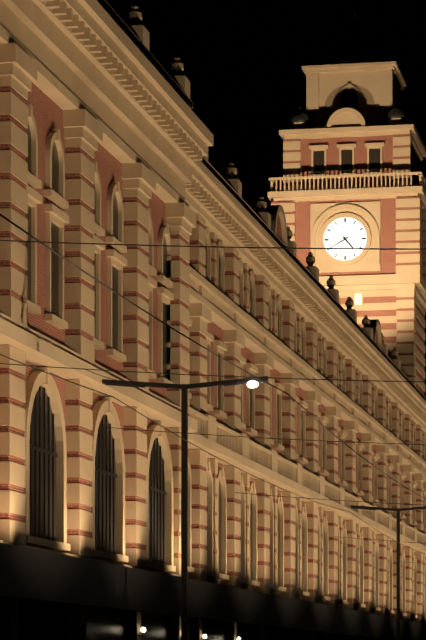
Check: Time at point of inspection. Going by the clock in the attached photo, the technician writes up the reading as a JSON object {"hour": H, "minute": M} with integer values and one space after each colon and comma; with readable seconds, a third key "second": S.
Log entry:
{"hour": 4, "minute": 40}
